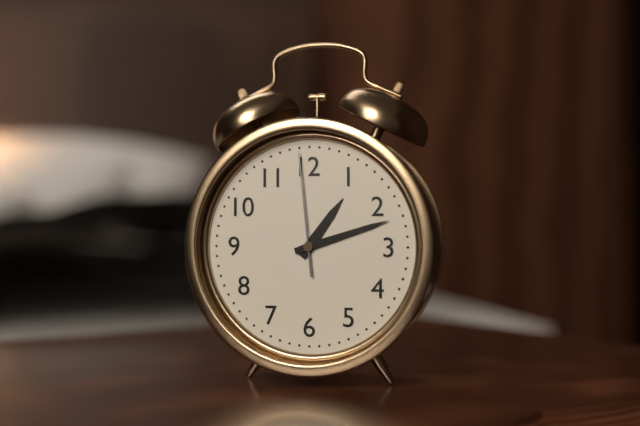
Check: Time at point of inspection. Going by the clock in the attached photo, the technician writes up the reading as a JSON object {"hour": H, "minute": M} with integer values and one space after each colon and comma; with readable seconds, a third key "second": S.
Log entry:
{"hour": 1, "minute": 12, "second": 59}
